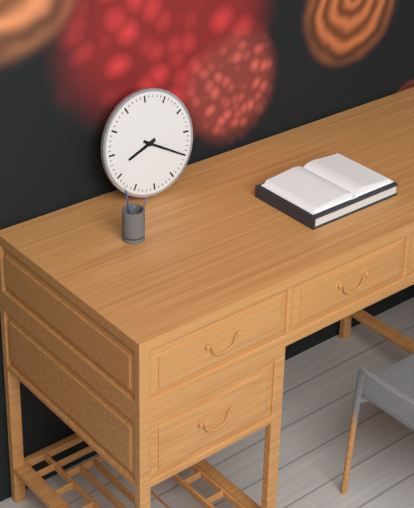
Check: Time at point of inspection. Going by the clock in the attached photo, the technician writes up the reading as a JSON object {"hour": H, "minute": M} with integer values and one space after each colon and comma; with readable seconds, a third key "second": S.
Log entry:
{"hour": 8, "minute": 20}
